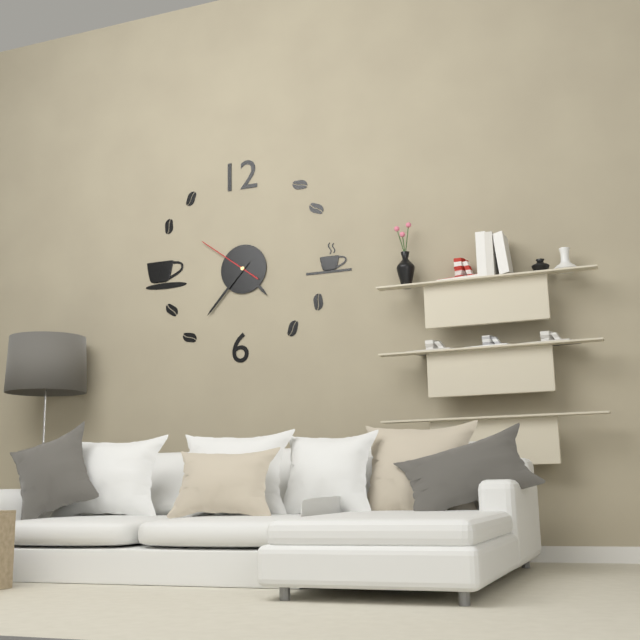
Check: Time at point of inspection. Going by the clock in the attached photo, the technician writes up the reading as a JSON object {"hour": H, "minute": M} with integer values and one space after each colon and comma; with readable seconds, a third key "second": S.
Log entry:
{"hour": 4, "minute": 37, "second": 51}
